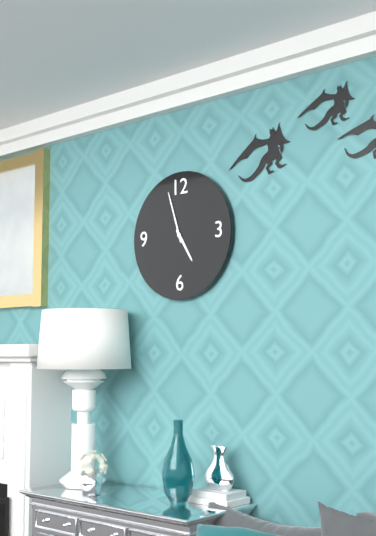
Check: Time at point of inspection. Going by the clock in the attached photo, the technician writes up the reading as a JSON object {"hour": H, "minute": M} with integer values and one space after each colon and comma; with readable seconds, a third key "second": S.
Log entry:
{"hour": 4, "minute": 57}
